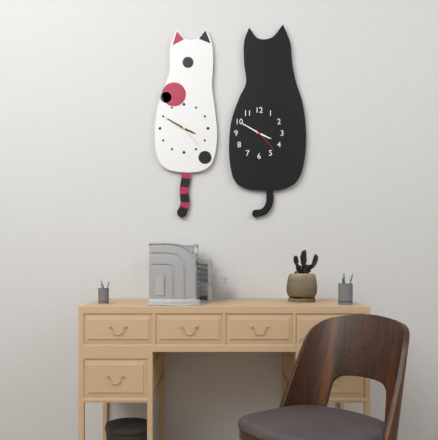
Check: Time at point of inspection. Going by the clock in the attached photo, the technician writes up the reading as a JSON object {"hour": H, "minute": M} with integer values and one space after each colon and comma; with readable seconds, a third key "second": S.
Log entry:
{"hour": 3, "minute": 50}
